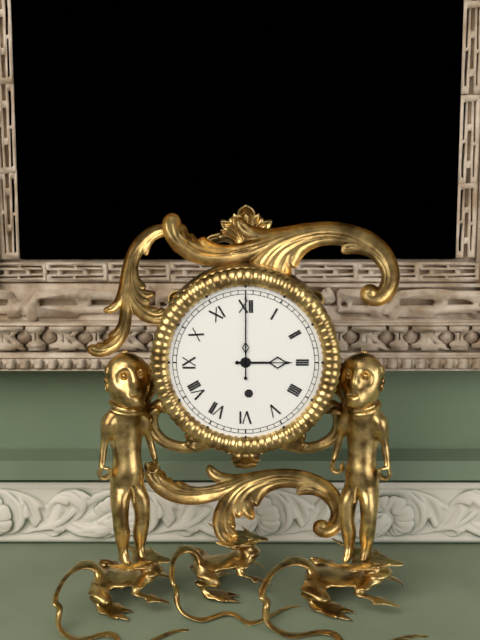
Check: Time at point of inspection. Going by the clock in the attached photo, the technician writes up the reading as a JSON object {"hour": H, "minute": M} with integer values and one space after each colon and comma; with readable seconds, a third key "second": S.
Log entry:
{"hour": 3, "minute": 0}
